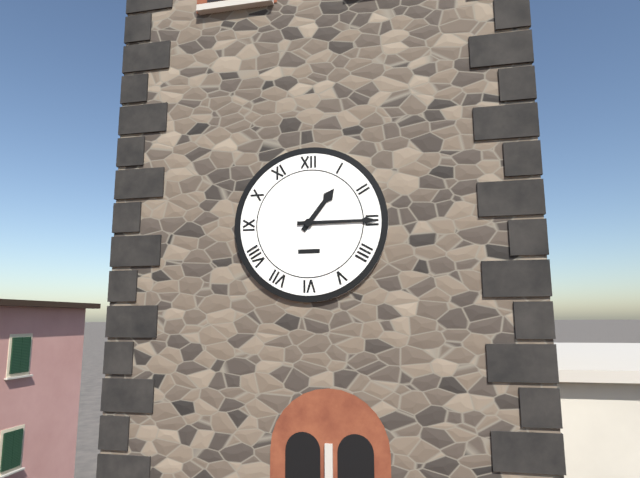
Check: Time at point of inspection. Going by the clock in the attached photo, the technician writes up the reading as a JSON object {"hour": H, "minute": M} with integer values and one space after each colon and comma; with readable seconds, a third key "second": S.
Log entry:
{"hour": 1, "minute": 15}
